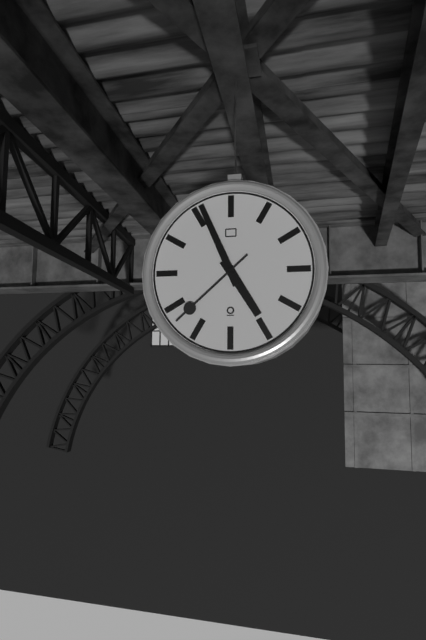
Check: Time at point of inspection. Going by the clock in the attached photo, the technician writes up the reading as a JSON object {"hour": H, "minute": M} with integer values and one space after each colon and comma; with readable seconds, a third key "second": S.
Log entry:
{"hour": 4, "minute": 56, "second": 38}
